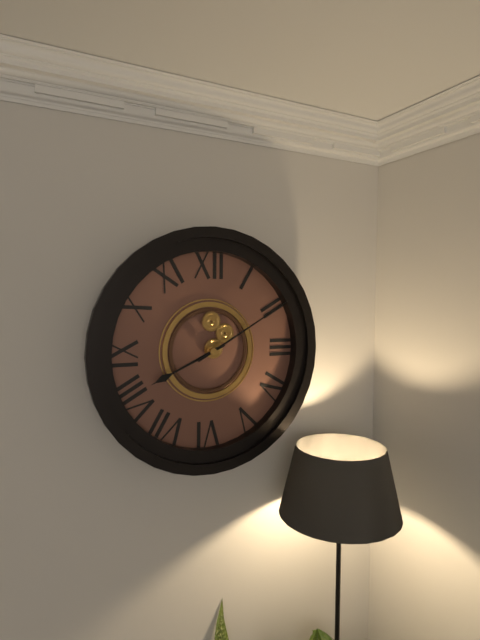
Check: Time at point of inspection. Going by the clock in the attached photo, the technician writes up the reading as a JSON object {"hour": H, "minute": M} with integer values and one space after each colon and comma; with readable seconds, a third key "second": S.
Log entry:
{"hour": 8, "minute": 10}
